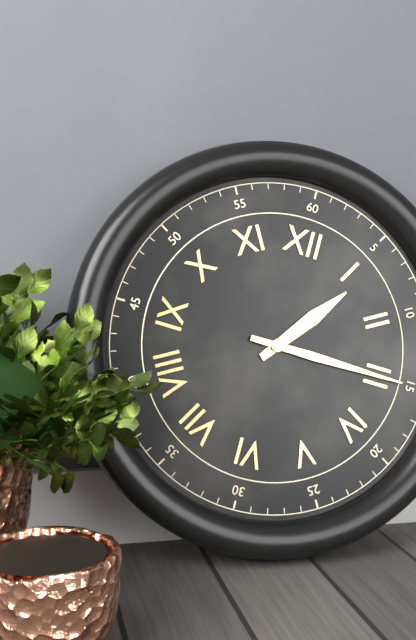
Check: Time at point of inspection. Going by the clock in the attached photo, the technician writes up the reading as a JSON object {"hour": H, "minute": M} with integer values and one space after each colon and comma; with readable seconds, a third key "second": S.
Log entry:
{"hour": 1, "minute": 15}
